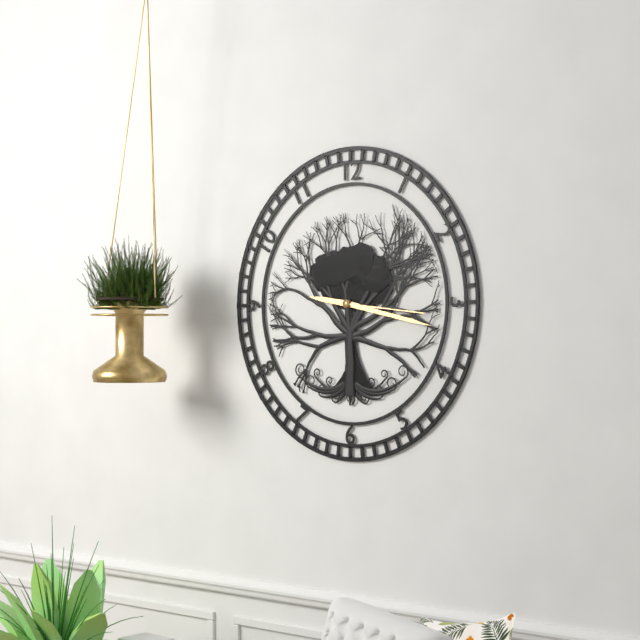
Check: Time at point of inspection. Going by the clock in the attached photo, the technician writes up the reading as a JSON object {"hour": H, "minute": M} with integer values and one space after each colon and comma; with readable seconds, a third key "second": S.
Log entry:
{"hour": 9, "minute": 17, "second": 16}
